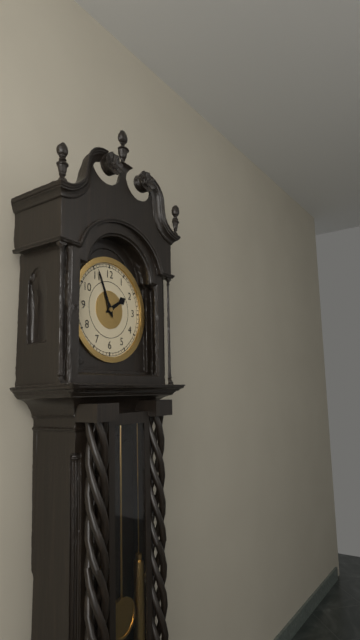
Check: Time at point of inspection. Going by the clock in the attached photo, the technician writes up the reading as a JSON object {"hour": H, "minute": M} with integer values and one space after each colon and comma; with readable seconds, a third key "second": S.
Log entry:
{"hour": 1, "minute": 56}
